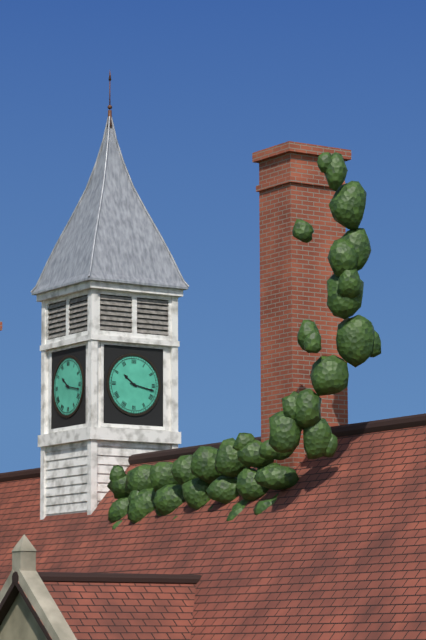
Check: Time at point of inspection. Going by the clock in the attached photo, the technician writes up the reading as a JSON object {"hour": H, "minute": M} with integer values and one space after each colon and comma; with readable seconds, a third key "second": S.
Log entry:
{"hour": 10, "minute": 17}
